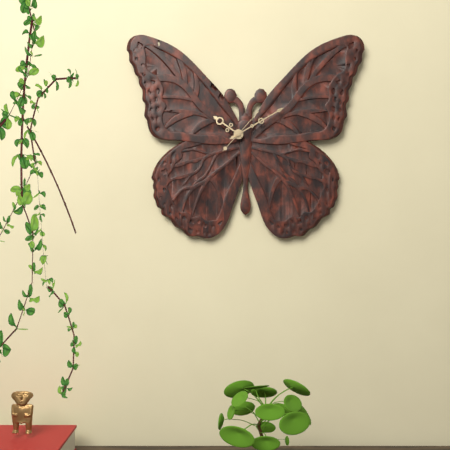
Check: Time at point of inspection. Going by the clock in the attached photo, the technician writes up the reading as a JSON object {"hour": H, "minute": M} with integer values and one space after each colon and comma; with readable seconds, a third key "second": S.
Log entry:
{"hour": 10, "minute": 10}
